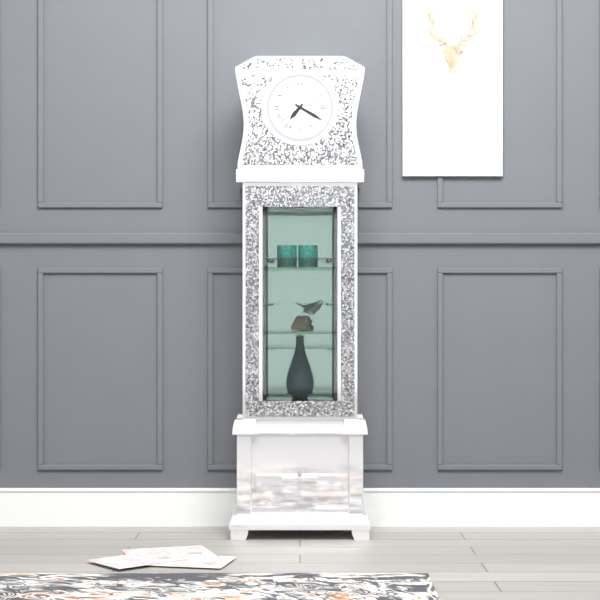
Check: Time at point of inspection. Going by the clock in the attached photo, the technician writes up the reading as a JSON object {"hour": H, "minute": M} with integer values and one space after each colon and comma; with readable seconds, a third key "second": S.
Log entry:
{"hour": 7, "minute": 20}
